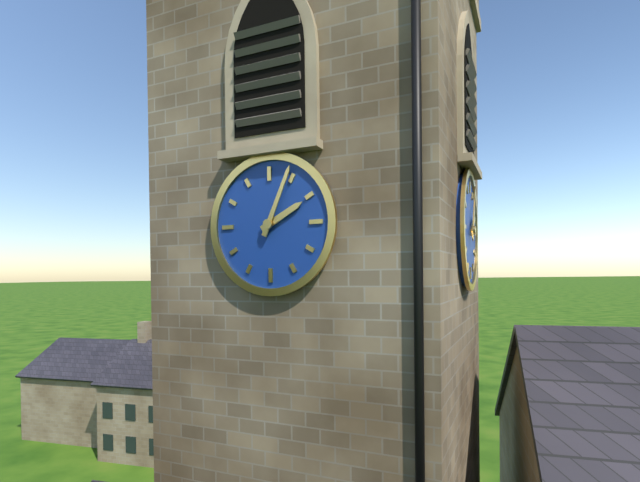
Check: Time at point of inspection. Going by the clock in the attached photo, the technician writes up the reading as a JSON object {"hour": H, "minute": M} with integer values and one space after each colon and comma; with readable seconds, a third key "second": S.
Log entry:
{"hour": 2, "minute": 4}
